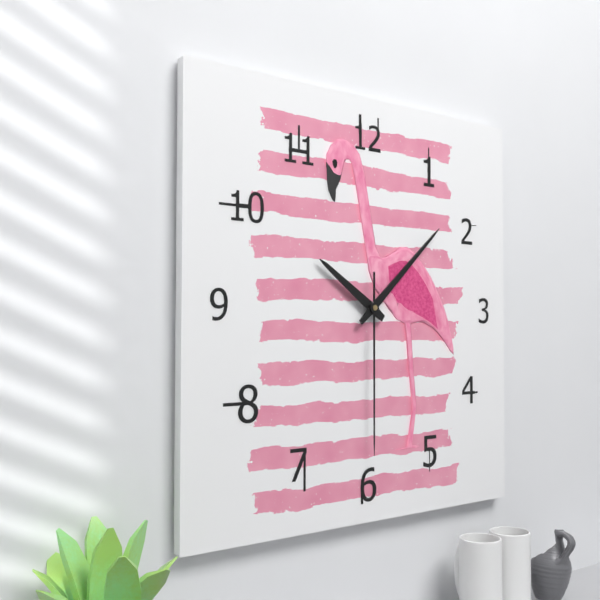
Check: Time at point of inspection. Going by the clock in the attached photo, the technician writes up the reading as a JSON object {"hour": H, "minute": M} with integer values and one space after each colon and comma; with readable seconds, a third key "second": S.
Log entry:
{"hour": 10, "minute": 8, "second": 30}
